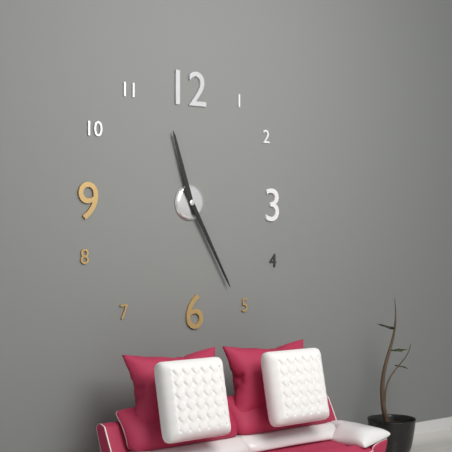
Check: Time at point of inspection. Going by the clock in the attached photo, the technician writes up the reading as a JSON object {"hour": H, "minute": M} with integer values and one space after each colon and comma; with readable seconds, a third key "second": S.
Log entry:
{"hour": 11, "minute": 25}
